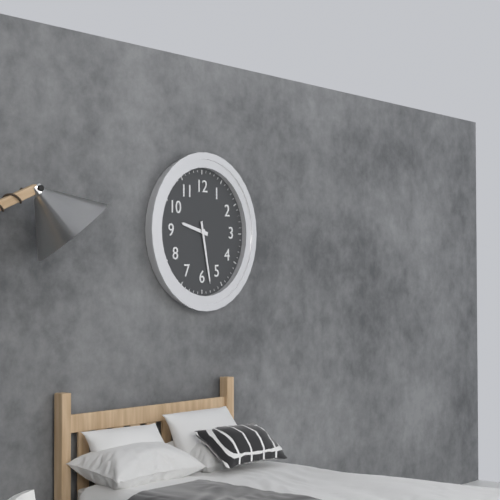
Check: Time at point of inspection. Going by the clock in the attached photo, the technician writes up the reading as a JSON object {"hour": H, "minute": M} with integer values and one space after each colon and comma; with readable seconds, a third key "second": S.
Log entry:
{"hour": 9, "minute": 28}
